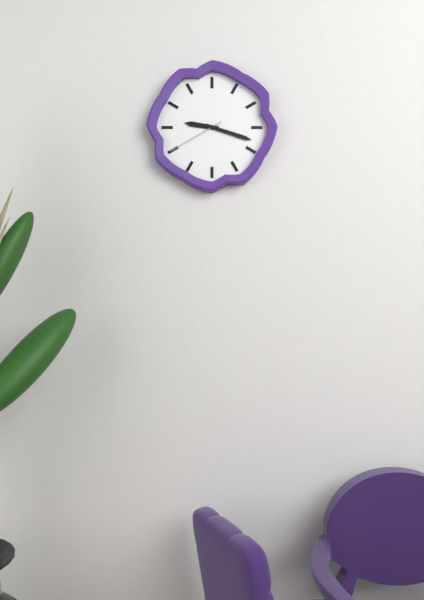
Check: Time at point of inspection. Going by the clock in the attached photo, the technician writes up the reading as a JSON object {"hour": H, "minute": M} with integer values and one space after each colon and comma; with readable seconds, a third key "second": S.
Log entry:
{"hour": 9, "minute": 18, "second": 40}
